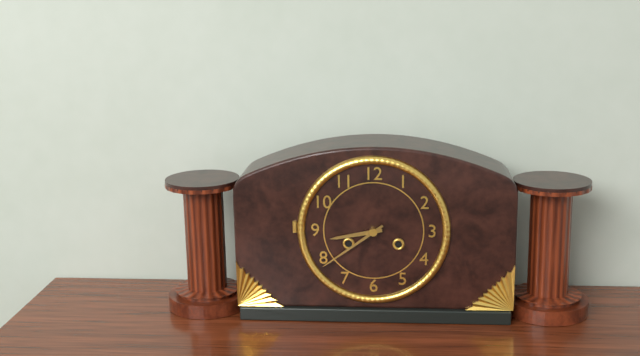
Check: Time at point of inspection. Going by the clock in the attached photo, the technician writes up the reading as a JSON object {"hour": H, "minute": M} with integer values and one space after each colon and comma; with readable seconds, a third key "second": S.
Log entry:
{"hour": 8, "minute": 39}
